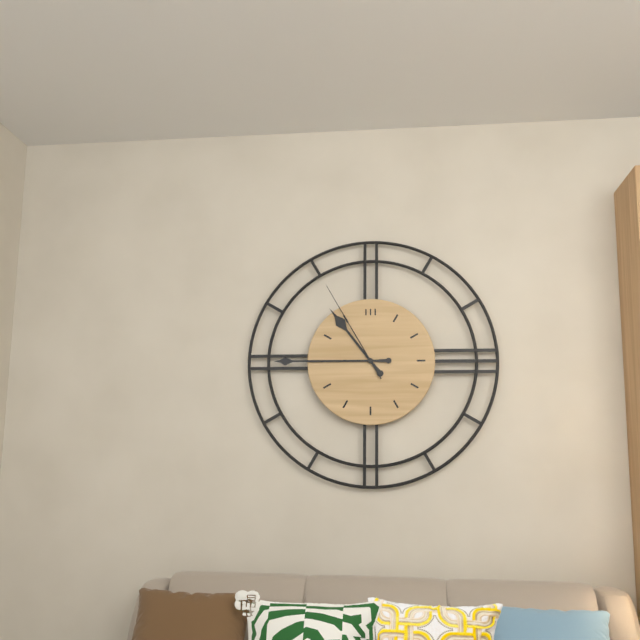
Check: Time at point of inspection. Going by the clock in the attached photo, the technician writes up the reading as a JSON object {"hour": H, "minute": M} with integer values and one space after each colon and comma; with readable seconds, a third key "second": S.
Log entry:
{"hour": 10, "minute": 45, "second": 55}
